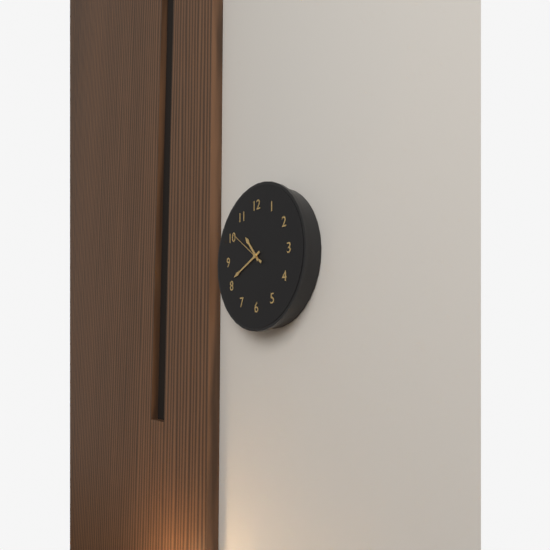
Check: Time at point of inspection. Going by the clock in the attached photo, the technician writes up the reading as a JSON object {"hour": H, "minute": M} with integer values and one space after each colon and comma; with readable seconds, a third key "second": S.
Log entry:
{"hour": 10, "minute": 41}
